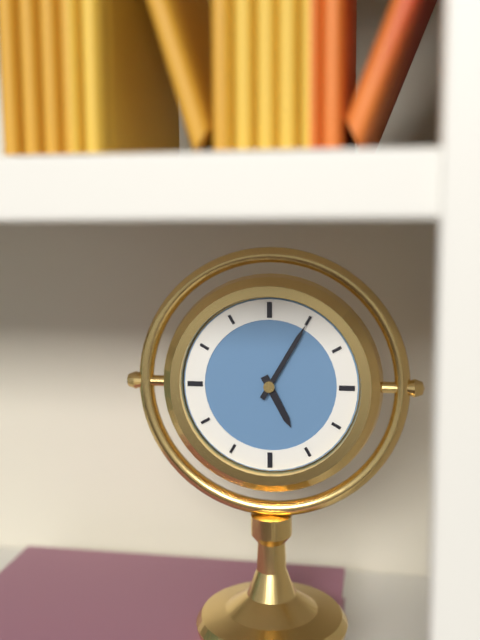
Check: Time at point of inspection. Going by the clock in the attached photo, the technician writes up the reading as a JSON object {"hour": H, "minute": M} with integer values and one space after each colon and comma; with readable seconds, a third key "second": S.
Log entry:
{"hour": 5, "minute": 5}
